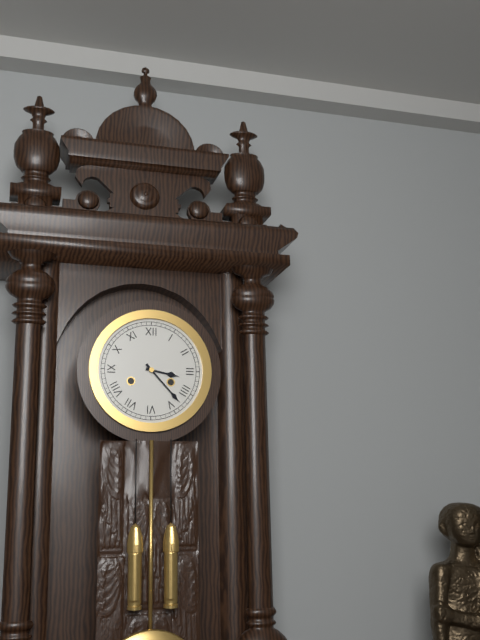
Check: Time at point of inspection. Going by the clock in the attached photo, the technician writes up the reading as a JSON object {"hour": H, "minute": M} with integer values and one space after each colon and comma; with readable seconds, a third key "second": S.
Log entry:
{"hour": 3, "minute": 23}
